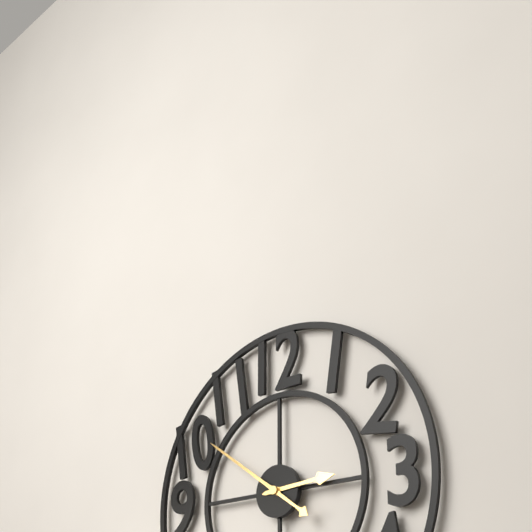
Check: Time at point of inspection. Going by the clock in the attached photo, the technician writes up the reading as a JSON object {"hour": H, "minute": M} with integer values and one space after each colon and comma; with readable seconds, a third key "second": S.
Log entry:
{"hour": 2, "minute": 51}
